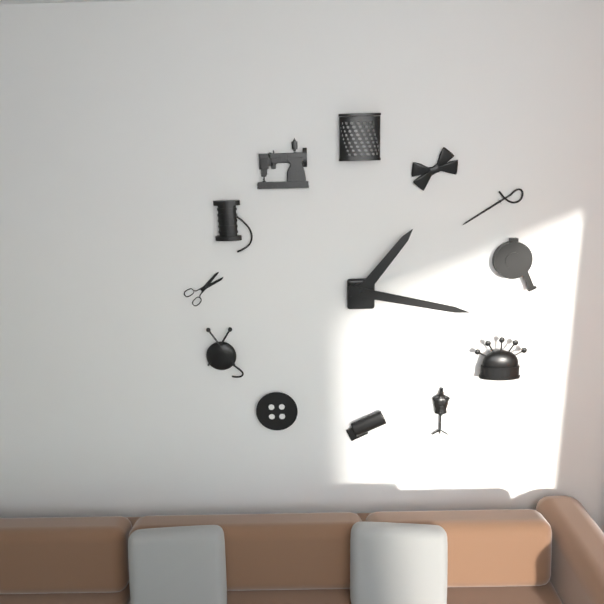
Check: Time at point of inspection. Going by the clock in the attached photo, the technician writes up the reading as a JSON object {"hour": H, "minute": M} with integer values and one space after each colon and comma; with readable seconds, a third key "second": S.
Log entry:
{"hour": 1, "minute": 17}
